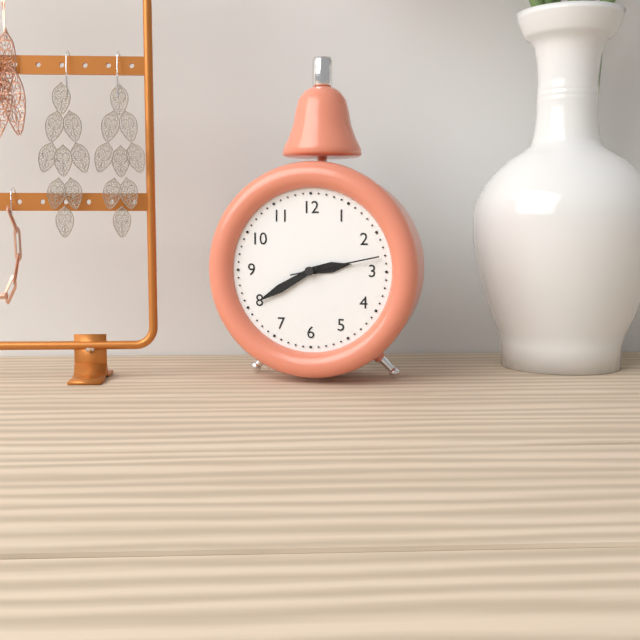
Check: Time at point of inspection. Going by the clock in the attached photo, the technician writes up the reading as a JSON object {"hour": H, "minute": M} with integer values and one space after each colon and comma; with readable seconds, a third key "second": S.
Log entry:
{"hour": 2, "minute": 40, "second": 13}
